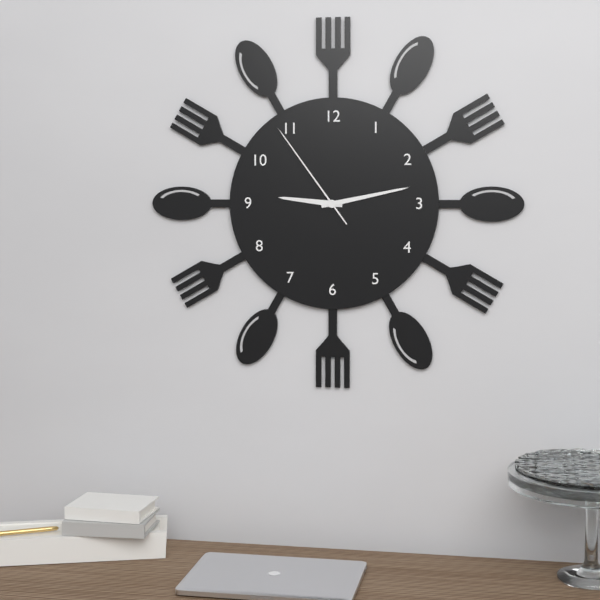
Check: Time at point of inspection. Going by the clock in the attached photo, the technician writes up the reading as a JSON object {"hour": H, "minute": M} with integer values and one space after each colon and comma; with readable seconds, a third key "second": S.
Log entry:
{"hour": 9, "minute": 13, "second": 54}
